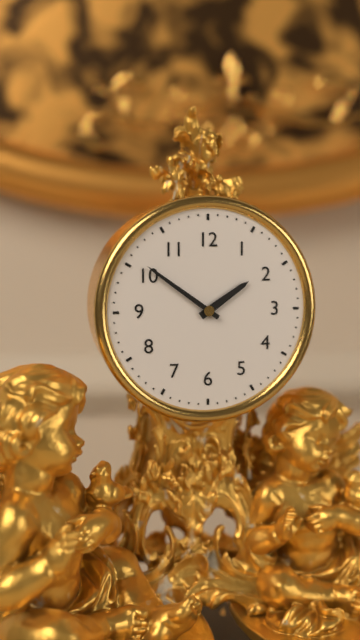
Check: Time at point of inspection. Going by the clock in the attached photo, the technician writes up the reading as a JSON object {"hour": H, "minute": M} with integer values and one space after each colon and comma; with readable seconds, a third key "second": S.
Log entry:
{"hour": 1, "minute": 51}
